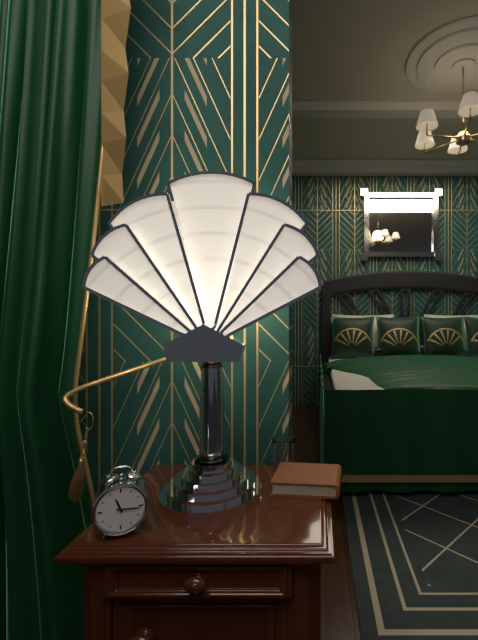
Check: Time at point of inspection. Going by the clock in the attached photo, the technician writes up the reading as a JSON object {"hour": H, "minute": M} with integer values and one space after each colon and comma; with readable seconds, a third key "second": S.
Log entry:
{"hour": 11, "minute": 16}
